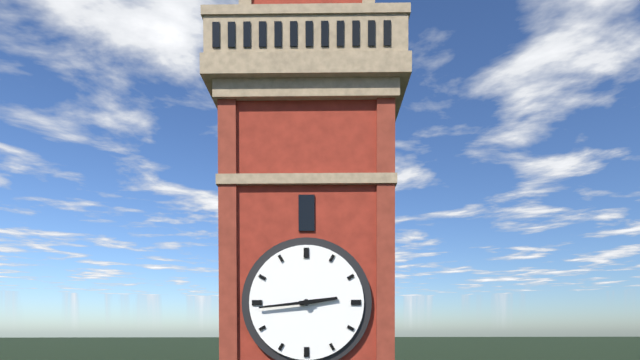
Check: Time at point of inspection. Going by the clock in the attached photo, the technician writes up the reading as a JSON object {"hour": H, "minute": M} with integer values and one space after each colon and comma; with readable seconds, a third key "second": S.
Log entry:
{"hour": 2, "minute": 44}
